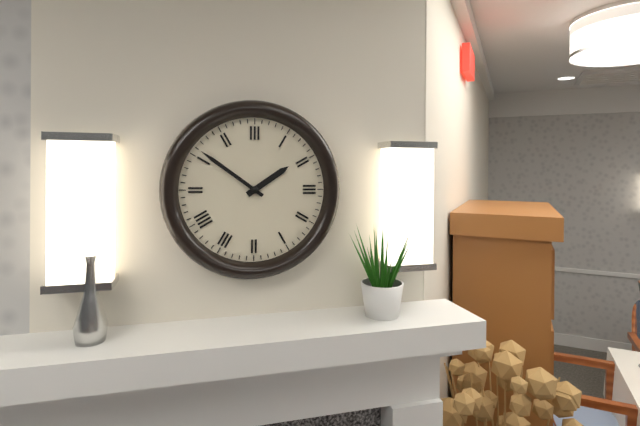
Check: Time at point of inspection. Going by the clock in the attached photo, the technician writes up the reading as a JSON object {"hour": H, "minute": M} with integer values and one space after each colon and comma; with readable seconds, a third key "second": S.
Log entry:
{"hour": 1, "minute": 51}
